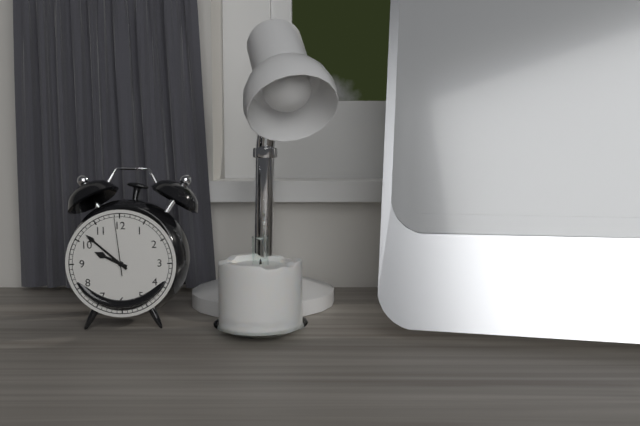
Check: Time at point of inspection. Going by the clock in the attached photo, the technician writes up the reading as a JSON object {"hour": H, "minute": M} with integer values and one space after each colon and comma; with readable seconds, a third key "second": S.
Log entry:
{"hour": 9, "minute": 52, "second": 59}
